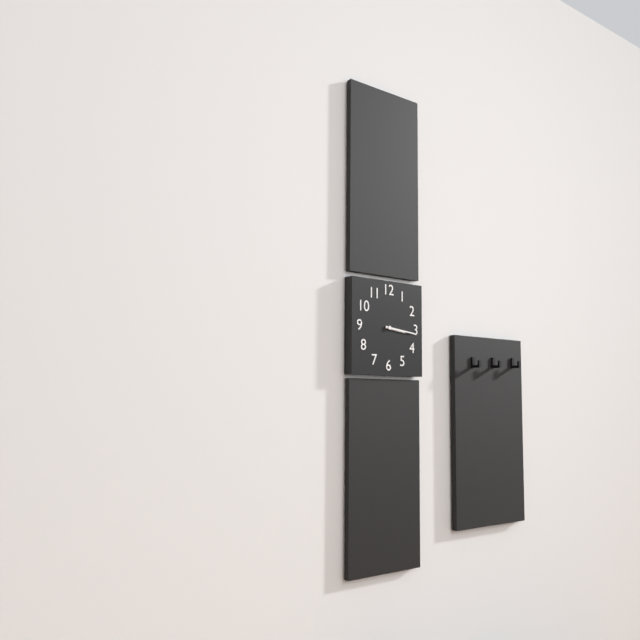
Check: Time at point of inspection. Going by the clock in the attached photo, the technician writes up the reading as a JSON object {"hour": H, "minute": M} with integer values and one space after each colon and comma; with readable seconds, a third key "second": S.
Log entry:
{"hour": 3, "minute": 16}
